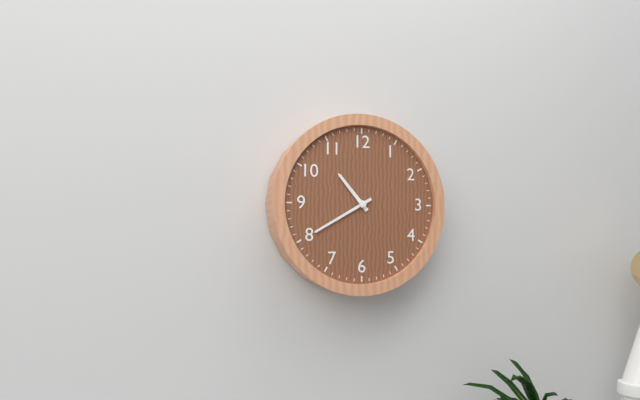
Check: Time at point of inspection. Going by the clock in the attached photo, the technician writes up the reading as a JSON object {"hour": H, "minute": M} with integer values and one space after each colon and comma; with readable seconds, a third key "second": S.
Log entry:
{"hour": 10, "minute": 40}
